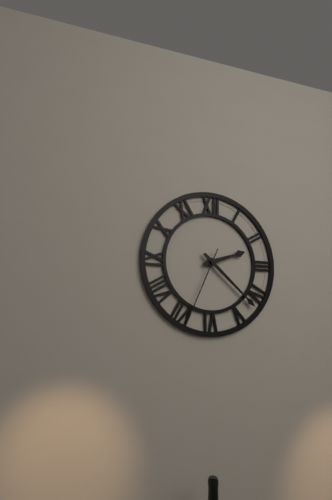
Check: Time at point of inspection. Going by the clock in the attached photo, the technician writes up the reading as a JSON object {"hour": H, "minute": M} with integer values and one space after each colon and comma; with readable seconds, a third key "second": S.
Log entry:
{"hour": 2, "minute": 22, "second": 34}
